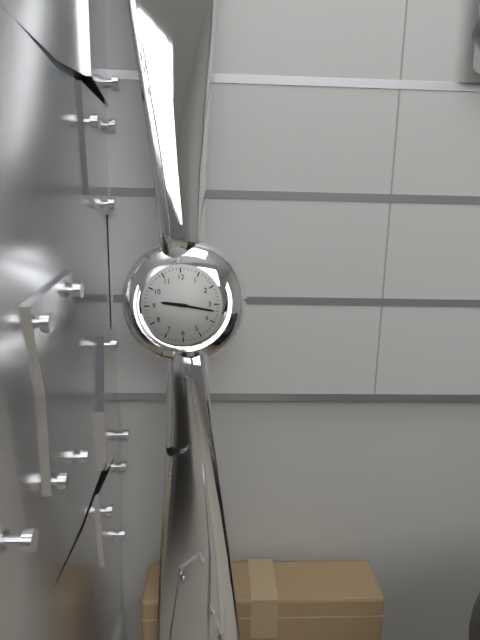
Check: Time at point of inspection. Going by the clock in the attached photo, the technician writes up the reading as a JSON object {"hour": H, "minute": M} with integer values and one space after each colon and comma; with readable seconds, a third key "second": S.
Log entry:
{"hour": 9, "minute": 17}
